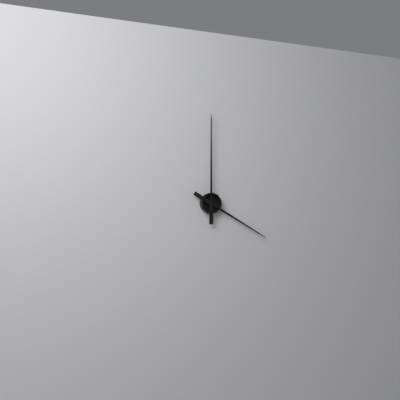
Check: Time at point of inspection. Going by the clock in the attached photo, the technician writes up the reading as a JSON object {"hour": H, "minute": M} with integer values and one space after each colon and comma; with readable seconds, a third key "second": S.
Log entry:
{"hour": 4, "minute": 0}
